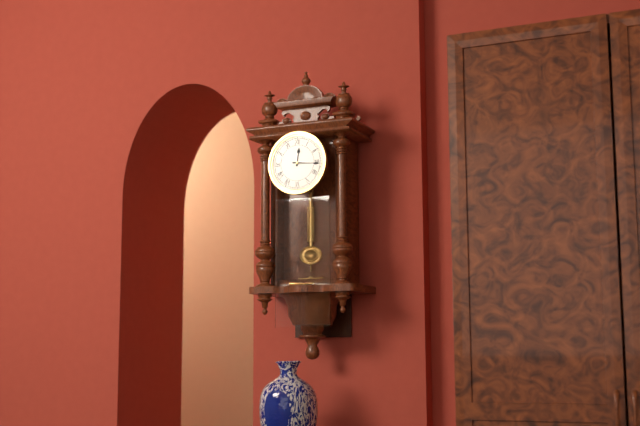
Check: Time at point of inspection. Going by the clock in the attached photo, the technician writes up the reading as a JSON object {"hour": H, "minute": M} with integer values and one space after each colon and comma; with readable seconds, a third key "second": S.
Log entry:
{"hour": 12, "minute": 16}
